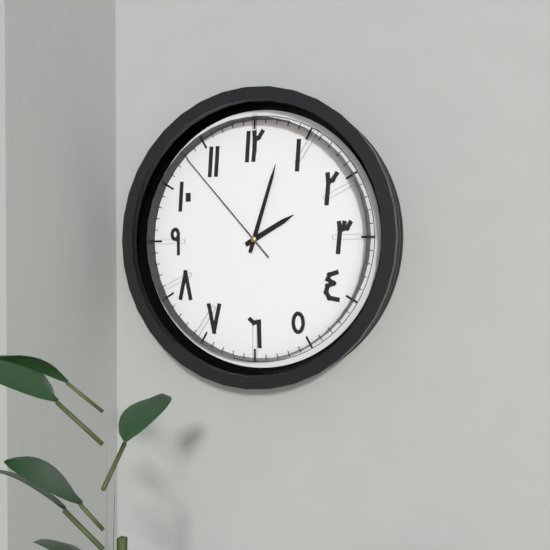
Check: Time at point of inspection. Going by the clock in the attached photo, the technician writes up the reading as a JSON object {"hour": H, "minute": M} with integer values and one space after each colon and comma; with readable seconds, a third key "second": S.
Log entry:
{"hour": 2, "minute": 3, "second": 53}
